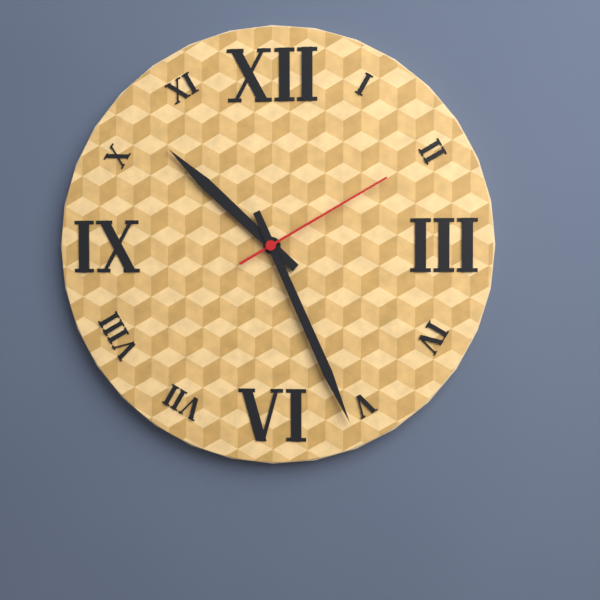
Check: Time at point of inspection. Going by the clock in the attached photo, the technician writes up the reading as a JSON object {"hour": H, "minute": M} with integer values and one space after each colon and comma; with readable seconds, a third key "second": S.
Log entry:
{"hour": 10, "minute": 26, "second": 10}
